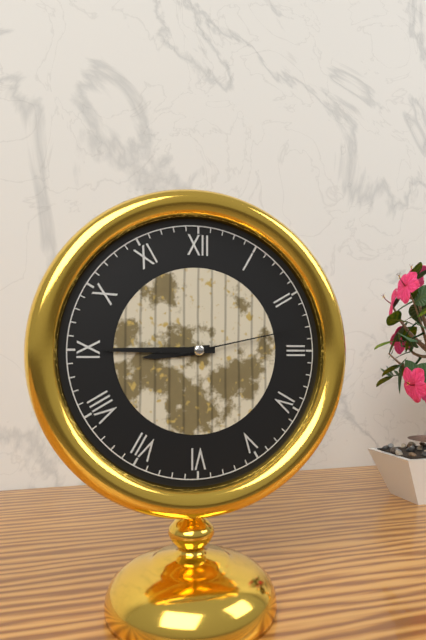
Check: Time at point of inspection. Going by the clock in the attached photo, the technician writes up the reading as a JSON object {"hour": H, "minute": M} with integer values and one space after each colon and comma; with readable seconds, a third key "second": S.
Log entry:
{"hour": 8, "minute": 45, "second": 13}
